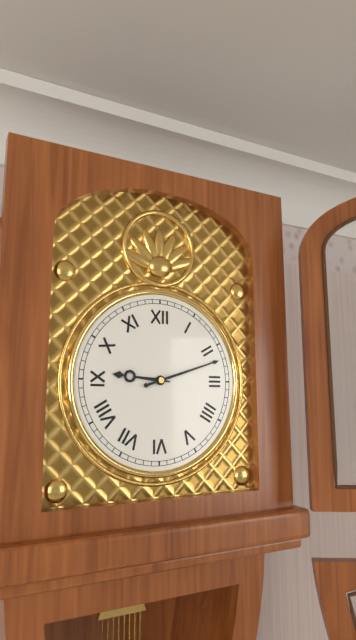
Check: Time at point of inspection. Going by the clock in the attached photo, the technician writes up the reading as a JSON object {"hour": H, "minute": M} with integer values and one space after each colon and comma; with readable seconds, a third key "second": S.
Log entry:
{"hour": 9, "minute": 12}
